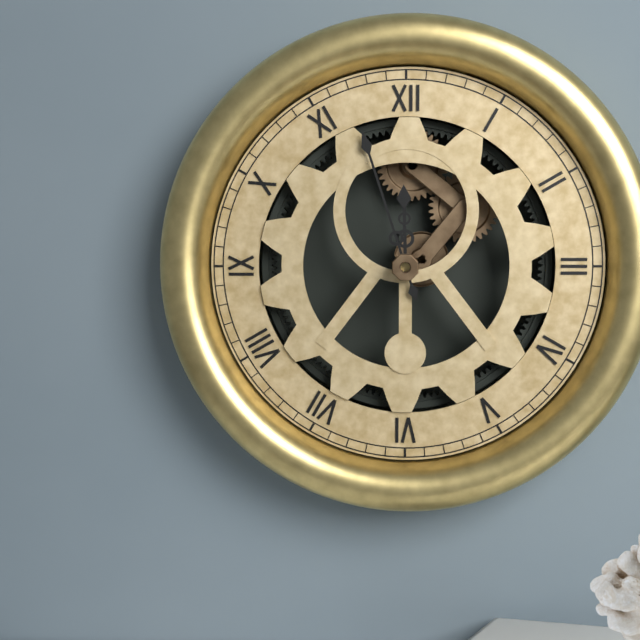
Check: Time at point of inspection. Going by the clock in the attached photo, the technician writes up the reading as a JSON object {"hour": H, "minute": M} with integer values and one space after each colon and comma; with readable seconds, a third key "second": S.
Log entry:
{"hour": 11, "minute": 57}
